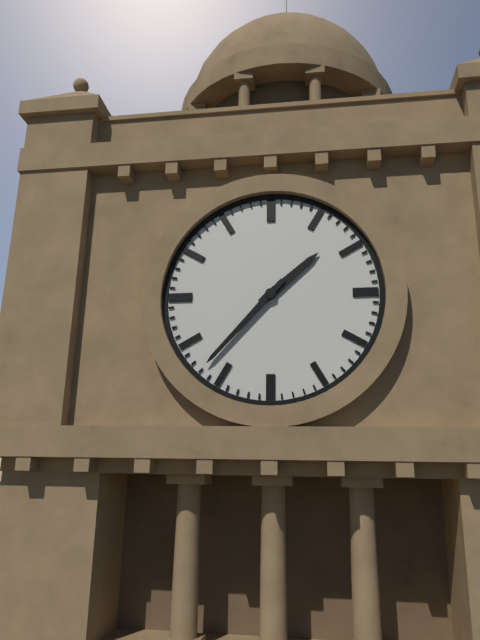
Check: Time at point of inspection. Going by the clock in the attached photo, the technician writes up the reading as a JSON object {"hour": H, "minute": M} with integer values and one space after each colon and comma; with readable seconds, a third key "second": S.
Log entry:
{"hour": 1, "minute": 37}
